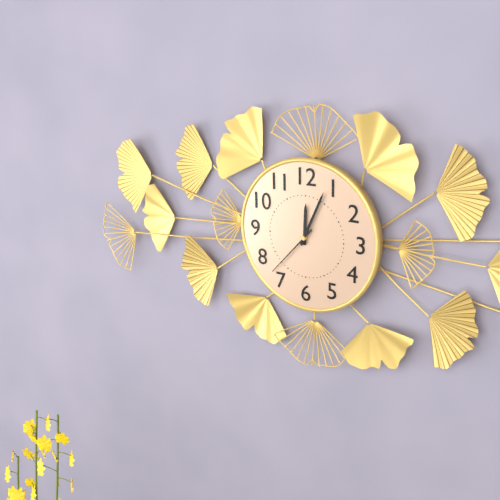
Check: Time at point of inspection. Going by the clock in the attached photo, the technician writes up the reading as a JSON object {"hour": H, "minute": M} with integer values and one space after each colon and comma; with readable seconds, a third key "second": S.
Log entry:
{"hour": 12, "minute": 4, "second": 37}
